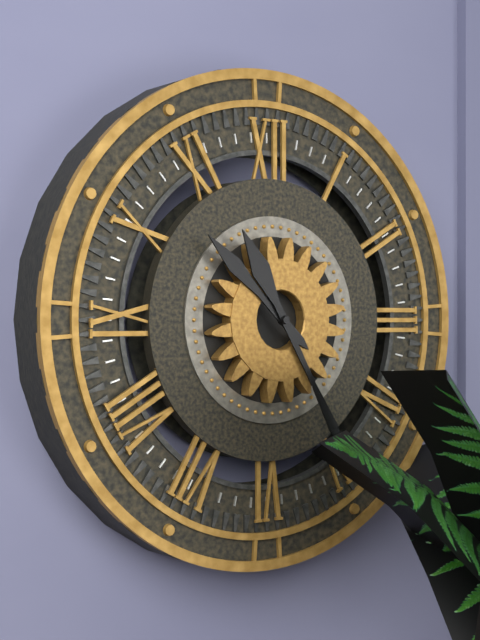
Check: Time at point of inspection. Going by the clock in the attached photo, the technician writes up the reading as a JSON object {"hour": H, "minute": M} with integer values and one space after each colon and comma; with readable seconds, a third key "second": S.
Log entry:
{"hour": 10, "minute": 25}
